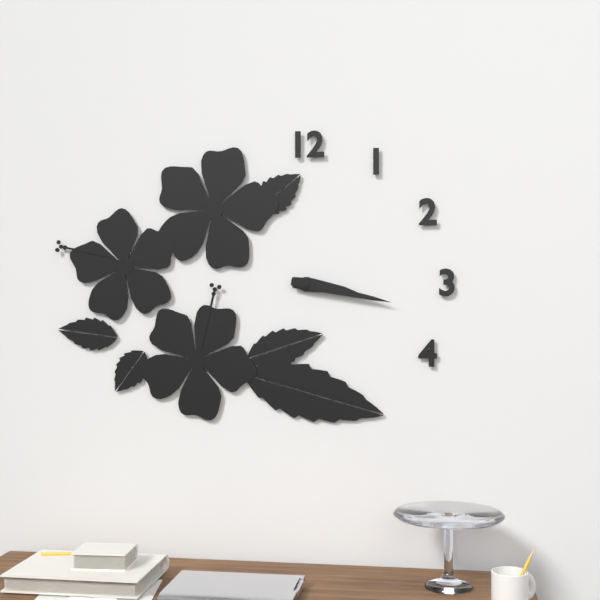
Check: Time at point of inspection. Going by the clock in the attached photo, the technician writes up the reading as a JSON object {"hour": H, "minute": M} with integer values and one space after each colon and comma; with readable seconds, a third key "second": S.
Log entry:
{"hour": 3, "minute": 17}
